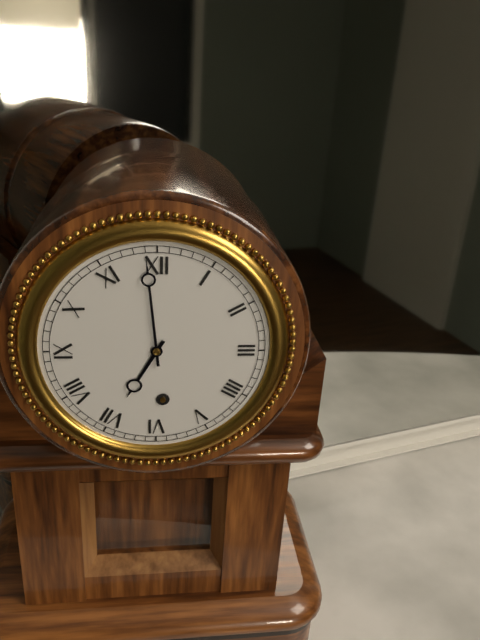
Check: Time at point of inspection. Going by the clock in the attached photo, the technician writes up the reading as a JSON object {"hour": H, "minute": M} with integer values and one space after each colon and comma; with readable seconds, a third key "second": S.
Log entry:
{"hour": 6, "minute": 59}
